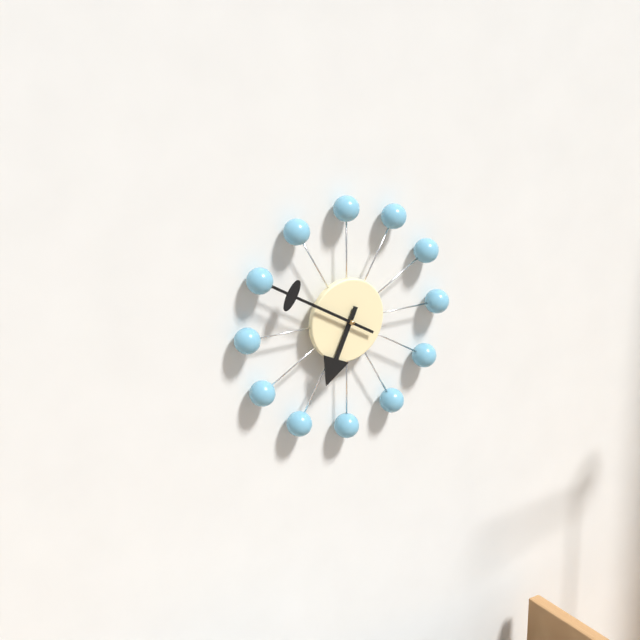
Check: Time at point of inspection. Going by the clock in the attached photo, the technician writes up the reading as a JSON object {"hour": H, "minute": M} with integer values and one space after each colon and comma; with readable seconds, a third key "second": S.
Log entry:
{"hour": 6, "minute": 50}
